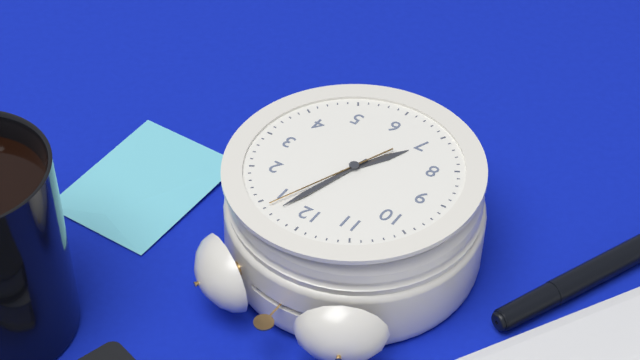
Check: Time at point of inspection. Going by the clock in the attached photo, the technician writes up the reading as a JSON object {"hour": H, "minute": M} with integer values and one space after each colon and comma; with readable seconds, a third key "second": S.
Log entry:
{"hour": 7, "minute": 3, "second": 4}
